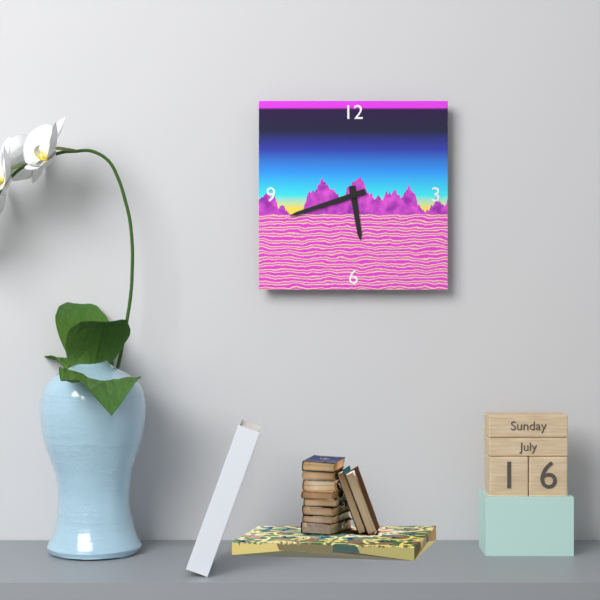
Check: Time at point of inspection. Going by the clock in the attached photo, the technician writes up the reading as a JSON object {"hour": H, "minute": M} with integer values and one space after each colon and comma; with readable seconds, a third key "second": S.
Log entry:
{"hour": 5, "minute": 42}
